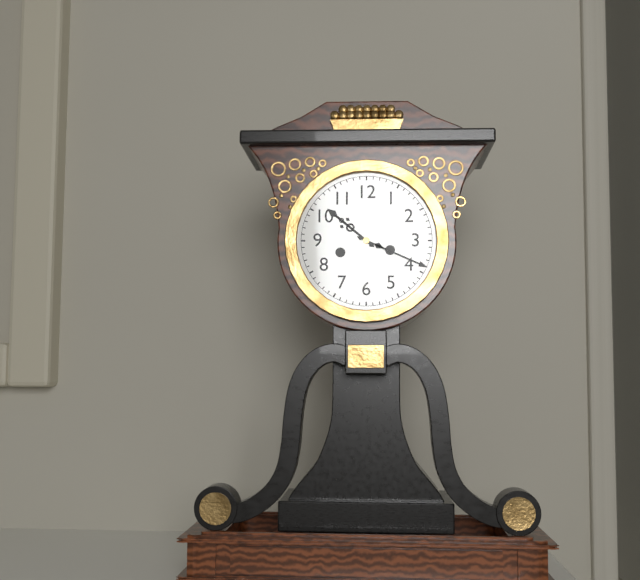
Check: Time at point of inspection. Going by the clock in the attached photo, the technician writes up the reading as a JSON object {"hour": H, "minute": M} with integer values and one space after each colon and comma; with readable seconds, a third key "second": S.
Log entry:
{"hour": 10, "minute": 19}
